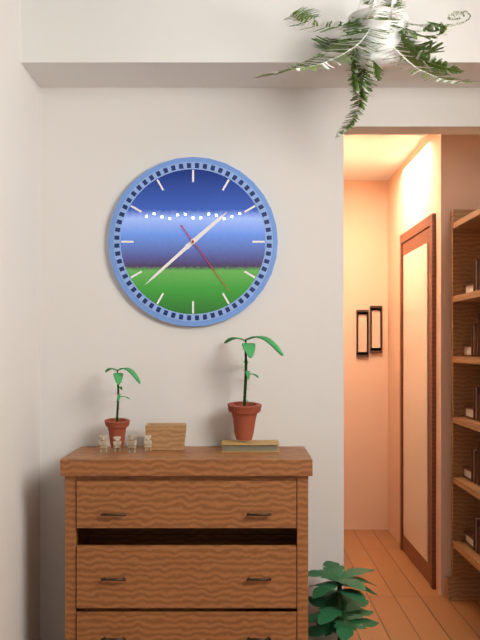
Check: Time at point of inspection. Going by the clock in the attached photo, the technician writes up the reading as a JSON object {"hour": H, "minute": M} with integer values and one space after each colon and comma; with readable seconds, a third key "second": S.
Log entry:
{"hour": 1, "minute": 38, "second": 24}
